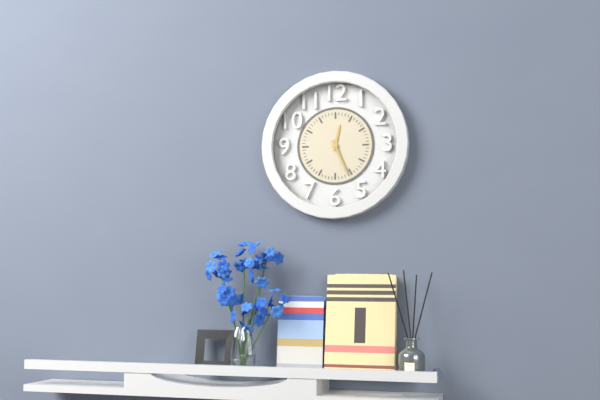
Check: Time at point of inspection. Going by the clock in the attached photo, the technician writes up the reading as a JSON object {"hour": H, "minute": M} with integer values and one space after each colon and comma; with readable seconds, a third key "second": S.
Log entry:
{"hour": 12, "minute": 26}
